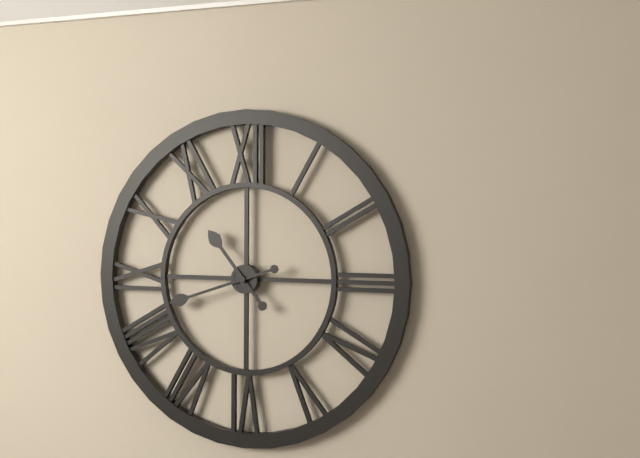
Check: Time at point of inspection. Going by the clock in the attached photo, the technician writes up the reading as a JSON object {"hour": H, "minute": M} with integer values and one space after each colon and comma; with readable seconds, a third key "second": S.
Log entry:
{"hour": 10, "minute": 42}
